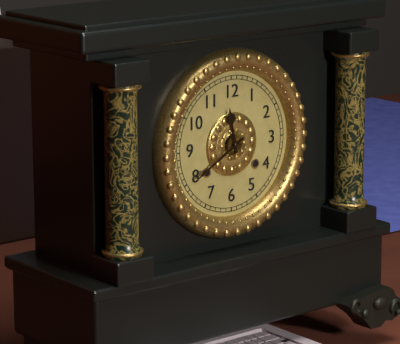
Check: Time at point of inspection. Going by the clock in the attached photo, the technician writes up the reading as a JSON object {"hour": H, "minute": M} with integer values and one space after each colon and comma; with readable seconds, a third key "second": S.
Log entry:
{"hour": 11, "minute": 40}
